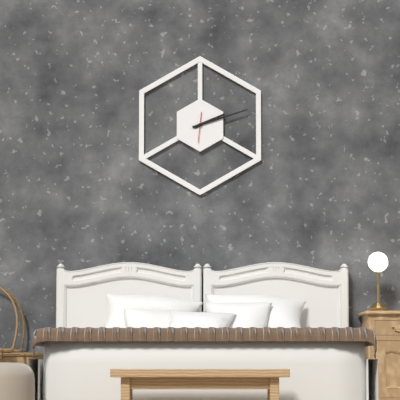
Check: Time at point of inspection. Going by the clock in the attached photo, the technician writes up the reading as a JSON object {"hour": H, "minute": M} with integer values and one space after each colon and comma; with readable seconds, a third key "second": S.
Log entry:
{"hour": 2, "minute": 12}
